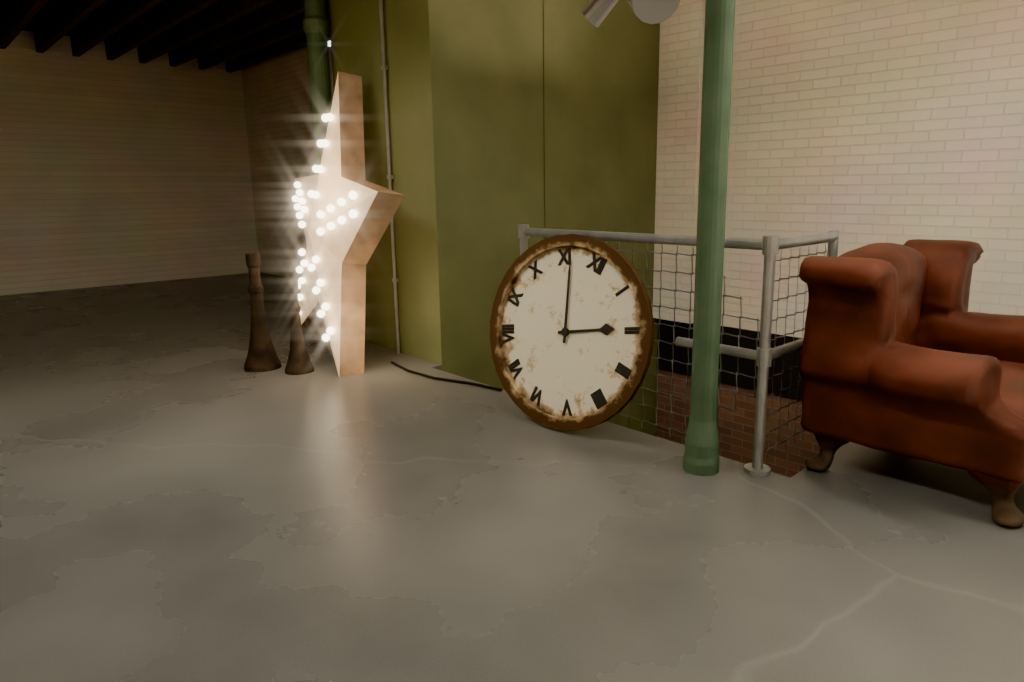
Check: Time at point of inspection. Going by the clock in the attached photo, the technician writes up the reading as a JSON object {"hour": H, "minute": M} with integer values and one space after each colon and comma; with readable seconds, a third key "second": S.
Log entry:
{"hour": 1, "minute": 56}
